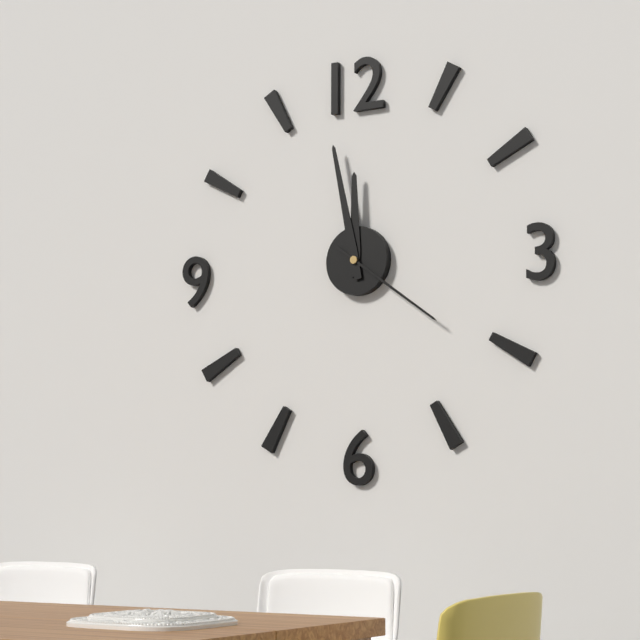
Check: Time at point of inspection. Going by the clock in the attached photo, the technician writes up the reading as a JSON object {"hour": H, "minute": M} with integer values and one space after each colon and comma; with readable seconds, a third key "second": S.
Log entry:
{"hour": 11, "minute": 58, "second": 21}
